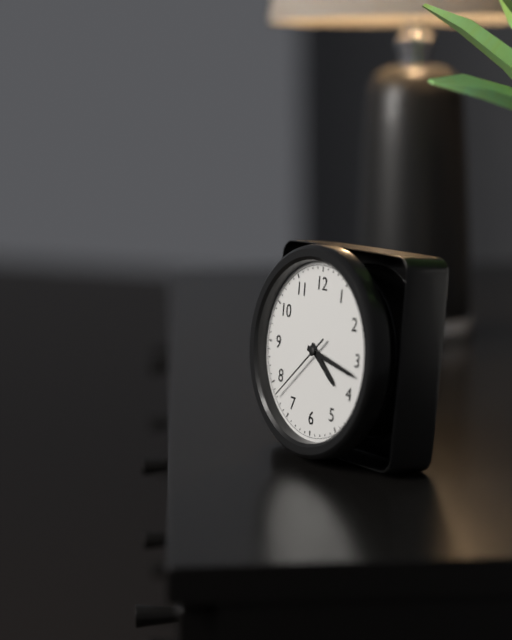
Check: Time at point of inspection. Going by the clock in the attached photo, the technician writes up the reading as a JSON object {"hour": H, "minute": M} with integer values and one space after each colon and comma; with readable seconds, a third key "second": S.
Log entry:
{"hour": 4, "minute": 17, "second": 38}
